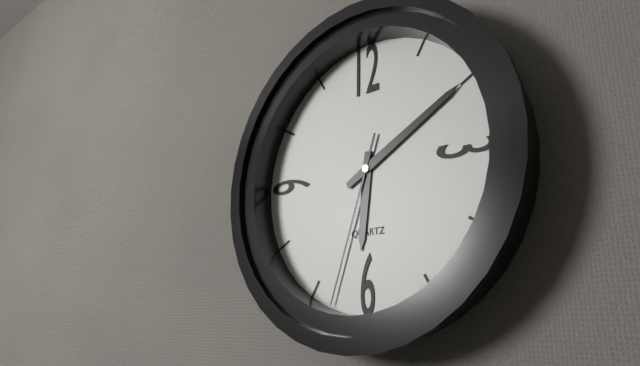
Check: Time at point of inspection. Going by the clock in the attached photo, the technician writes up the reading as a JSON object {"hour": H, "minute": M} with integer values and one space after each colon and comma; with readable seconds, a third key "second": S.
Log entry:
{"hour": 6, "minute": 10, "second": 33}
